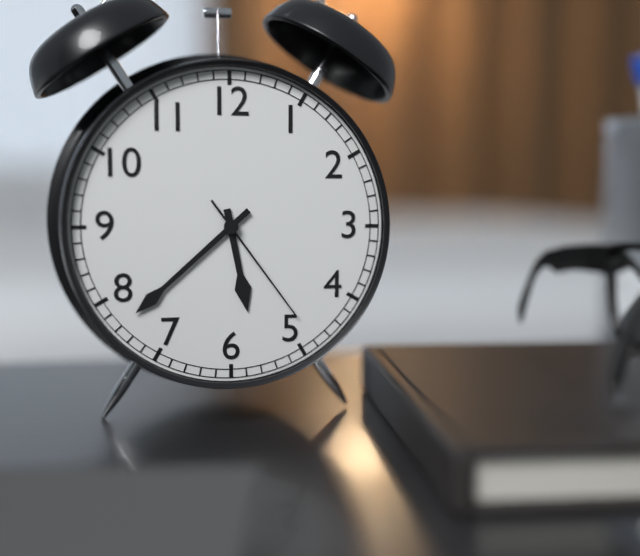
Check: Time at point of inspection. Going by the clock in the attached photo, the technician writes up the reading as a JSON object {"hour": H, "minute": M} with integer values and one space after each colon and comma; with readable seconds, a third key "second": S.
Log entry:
{"hour": 5, "minute": 38, "second": 24}
